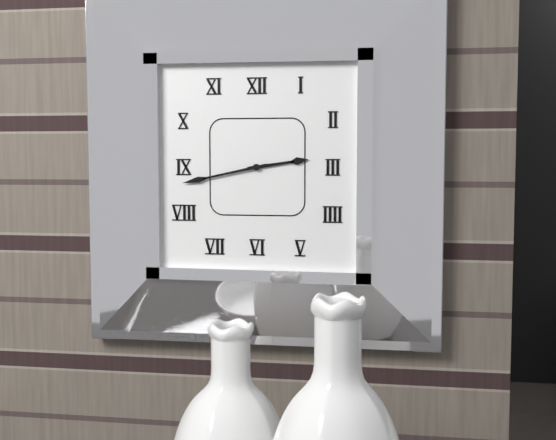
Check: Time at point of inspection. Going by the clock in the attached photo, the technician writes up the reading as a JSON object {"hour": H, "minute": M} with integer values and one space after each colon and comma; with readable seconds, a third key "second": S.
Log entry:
{"hour": 2, "minute": 43}
